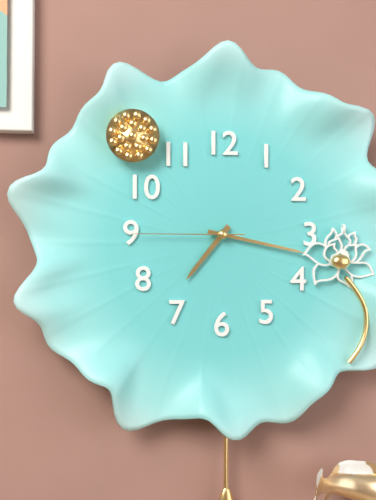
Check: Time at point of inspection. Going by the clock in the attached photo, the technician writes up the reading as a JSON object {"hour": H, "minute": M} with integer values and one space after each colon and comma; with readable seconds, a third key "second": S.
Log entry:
{"hour": 7, "minute": 17, "second": 45}
